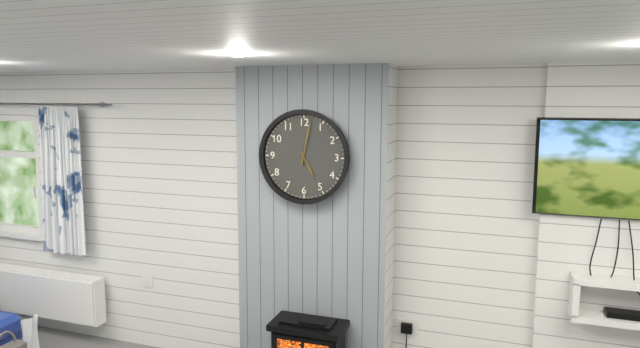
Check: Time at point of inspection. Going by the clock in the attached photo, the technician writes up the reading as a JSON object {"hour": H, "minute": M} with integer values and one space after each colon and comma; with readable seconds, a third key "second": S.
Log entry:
{"hour": 5, "minute": 2}
